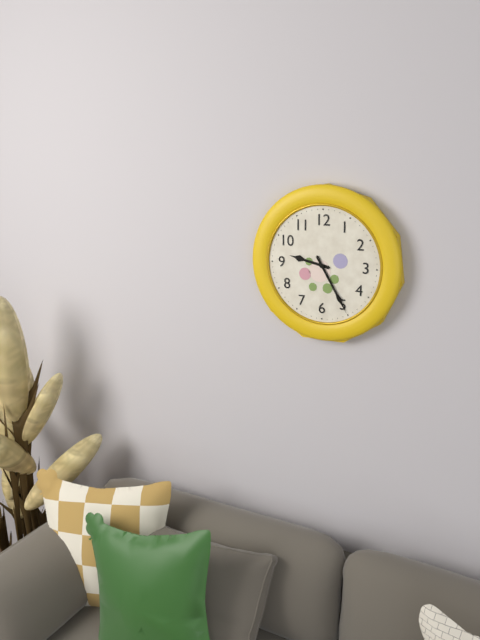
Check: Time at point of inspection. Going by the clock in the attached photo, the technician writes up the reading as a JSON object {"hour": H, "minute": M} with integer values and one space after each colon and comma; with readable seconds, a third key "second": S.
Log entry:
{"hour": 9, "minute": 25}
